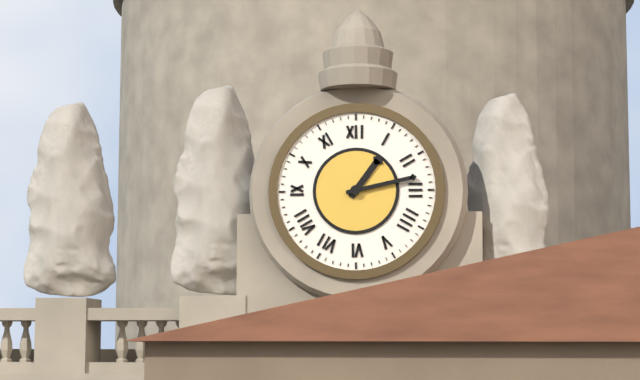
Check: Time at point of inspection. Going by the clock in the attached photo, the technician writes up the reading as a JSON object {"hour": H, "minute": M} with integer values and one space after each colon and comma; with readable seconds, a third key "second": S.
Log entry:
{"hour": 1, "minute": 13}
